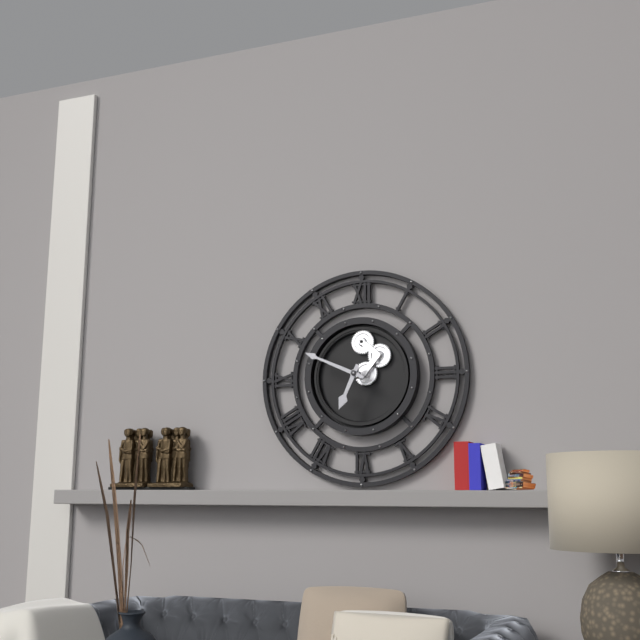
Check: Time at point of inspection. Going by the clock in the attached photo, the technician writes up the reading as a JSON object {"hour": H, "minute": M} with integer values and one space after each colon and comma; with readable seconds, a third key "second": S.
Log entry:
{"hour": 6, "minute": 49}
